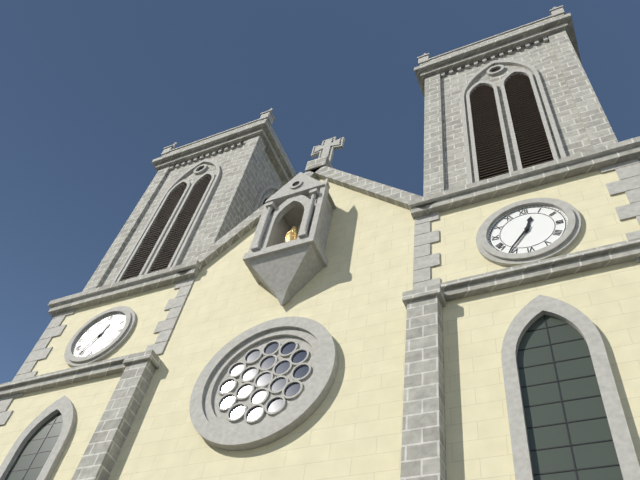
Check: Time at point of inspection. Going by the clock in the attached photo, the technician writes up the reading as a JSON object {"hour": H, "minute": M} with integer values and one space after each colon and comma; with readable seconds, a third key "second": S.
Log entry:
{"hour": 12, "minute": 36}
